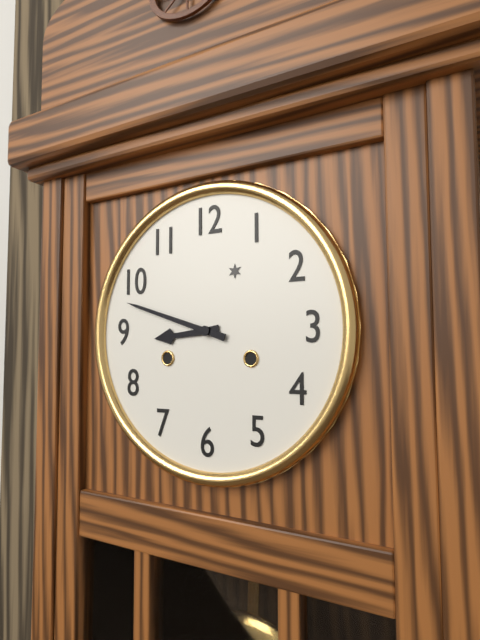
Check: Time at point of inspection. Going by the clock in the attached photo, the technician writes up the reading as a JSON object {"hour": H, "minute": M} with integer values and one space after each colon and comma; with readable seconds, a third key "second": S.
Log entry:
{"hour": 8, "minute": 48}
